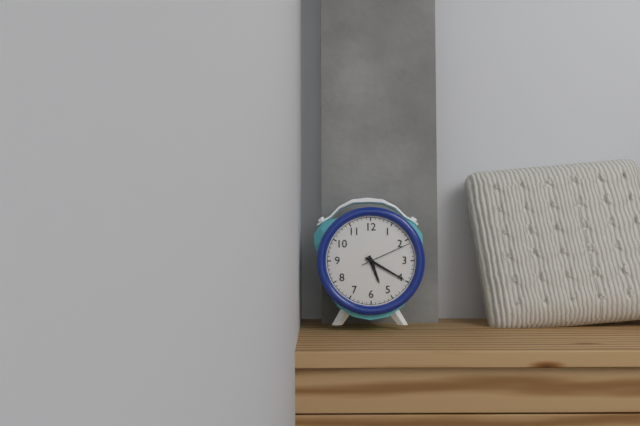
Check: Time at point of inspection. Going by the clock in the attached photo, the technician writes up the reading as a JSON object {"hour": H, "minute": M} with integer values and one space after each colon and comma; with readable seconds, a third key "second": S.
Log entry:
{"hour": 5, "minute": 20, "second": 11}
